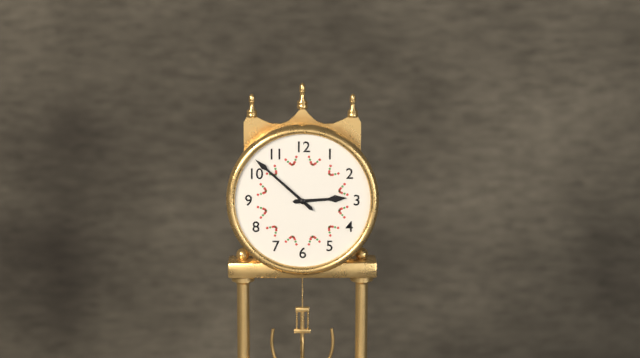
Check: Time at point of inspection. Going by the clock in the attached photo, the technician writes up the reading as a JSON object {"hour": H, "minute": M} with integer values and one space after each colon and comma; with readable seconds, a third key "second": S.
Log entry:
{"hour": 2, "minute": 52}
